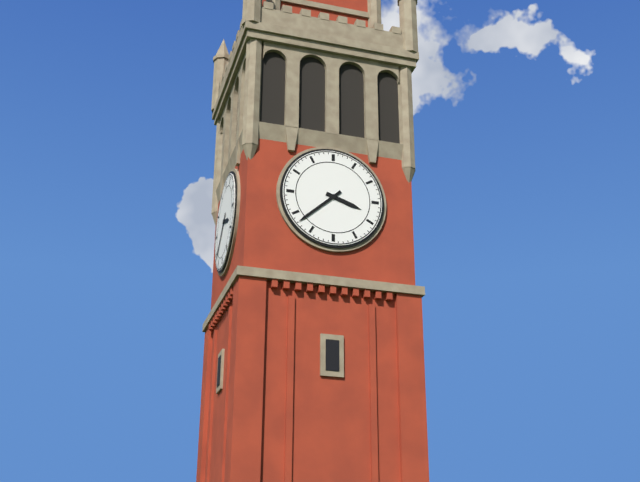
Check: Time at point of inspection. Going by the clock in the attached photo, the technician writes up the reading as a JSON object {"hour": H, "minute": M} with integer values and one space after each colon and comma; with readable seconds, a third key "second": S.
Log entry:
{"hour": 3, "minute": 38}
